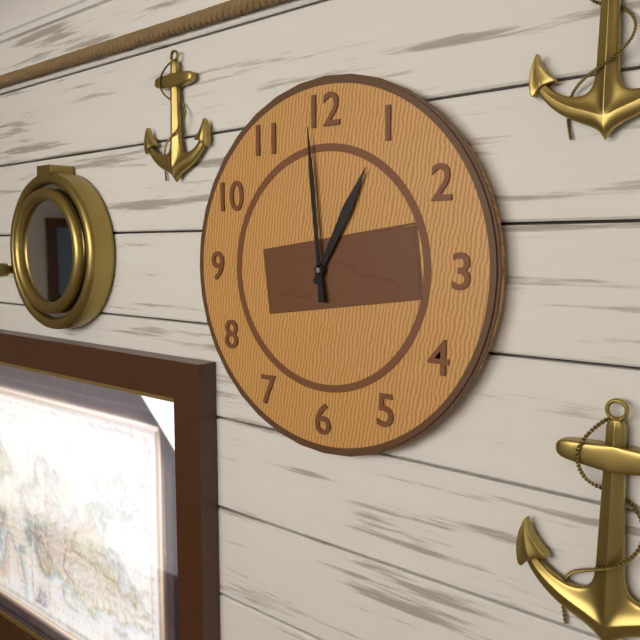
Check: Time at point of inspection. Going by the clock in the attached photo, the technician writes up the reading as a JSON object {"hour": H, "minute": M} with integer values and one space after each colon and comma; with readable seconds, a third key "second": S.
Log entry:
{"hour": 12, "minute": 59}
